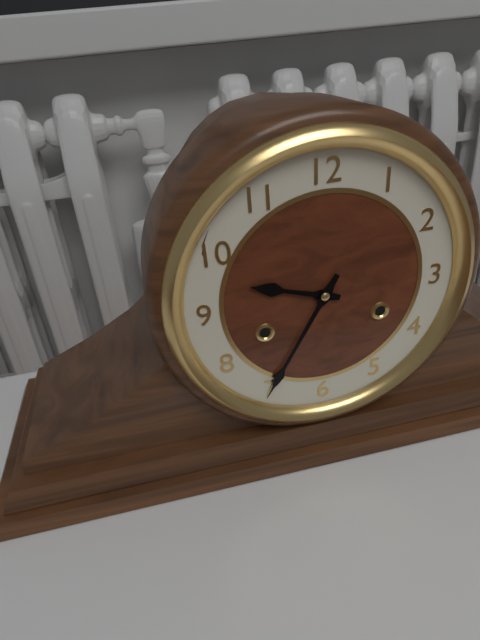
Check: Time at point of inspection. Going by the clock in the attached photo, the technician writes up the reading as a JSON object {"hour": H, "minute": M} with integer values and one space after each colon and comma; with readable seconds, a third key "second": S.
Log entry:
{"hour": 9, "minute": 35}
